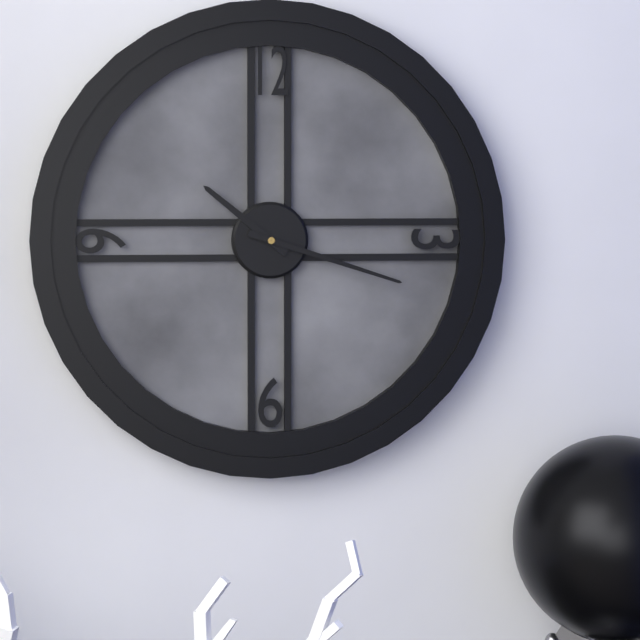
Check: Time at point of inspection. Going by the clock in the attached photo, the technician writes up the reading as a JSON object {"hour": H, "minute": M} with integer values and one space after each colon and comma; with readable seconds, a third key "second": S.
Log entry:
{"hour": 10, "minute": 18}
